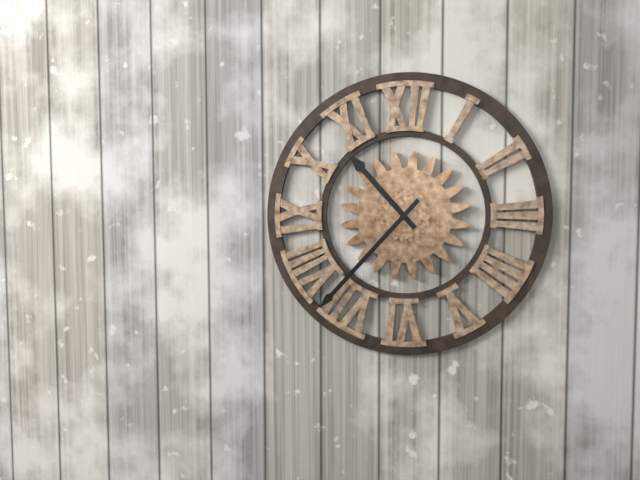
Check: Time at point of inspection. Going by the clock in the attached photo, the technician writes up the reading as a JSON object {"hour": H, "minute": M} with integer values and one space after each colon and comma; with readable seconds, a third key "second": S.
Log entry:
{"hour": 10, "minute": 37}
